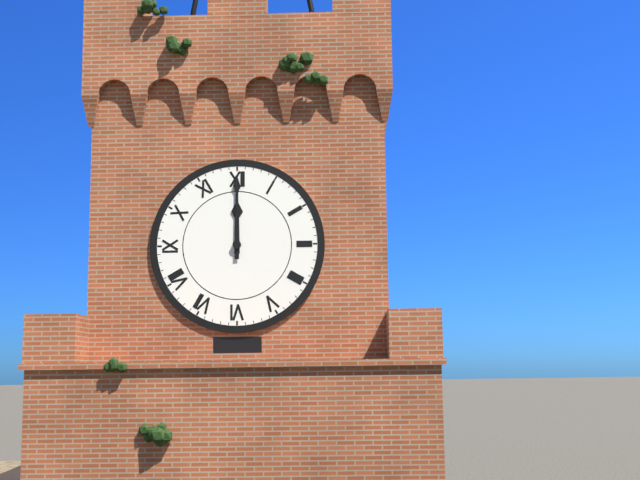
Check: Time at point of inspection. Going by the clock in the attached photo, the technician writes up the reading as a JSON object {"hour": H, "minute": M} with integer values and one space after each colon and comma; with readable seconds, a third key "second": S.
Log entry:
{"hour": 12, "minute": 0}
